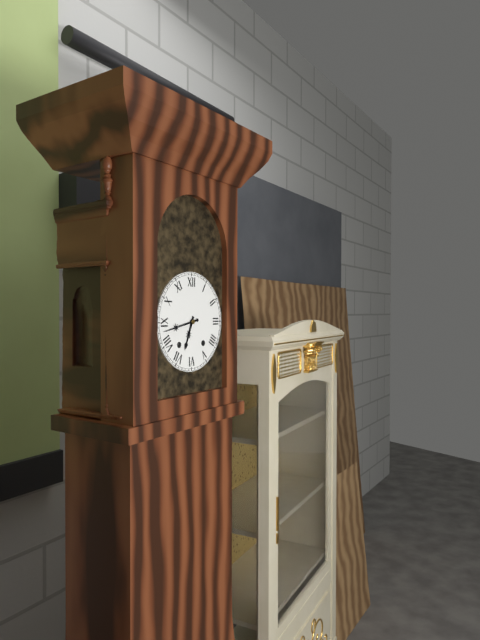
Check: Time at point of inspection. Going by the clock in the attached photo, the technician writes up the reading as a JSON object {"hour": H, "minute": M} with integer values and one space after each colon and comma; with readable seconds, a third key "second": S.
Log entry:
{"hour": 6, "minute": 43}
